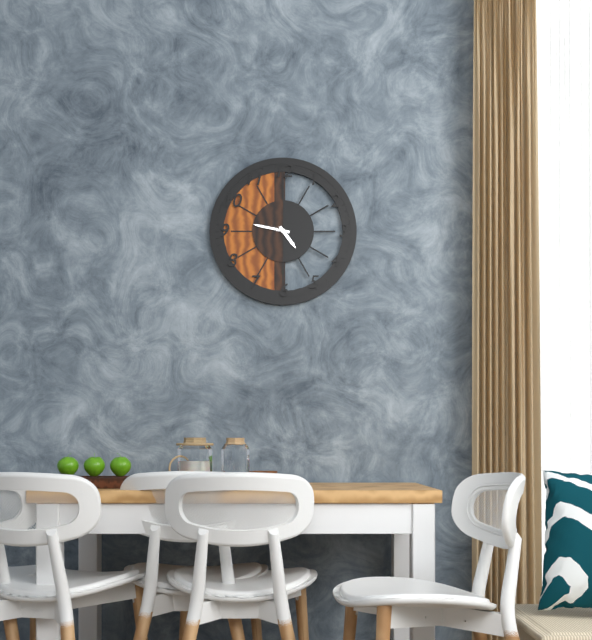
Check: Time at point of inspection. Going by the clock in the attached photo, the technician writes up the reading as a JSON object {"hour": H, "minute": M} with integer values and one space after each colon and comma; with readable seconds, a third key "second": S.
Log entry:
{"hour": 4, "minute": 47}
